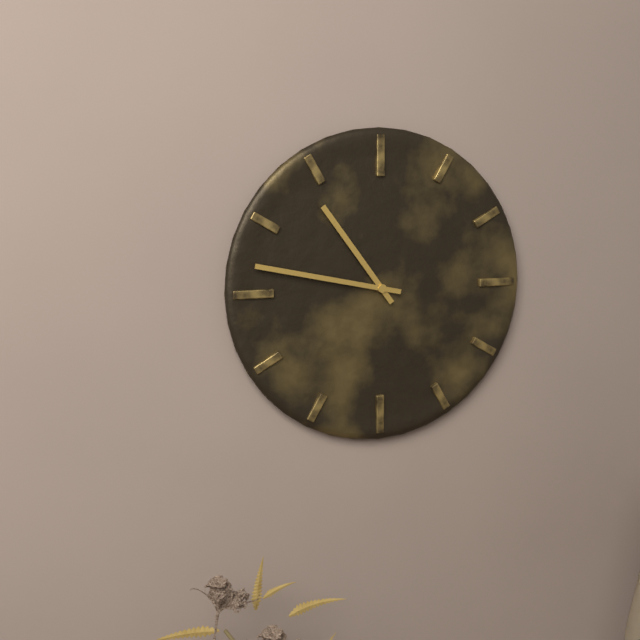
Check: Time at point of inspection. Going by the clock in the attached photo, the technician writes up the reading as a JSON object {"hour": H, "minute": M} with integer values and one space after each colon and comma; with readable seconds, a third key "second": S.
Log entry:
{"hour": 10, "minute": 47}
